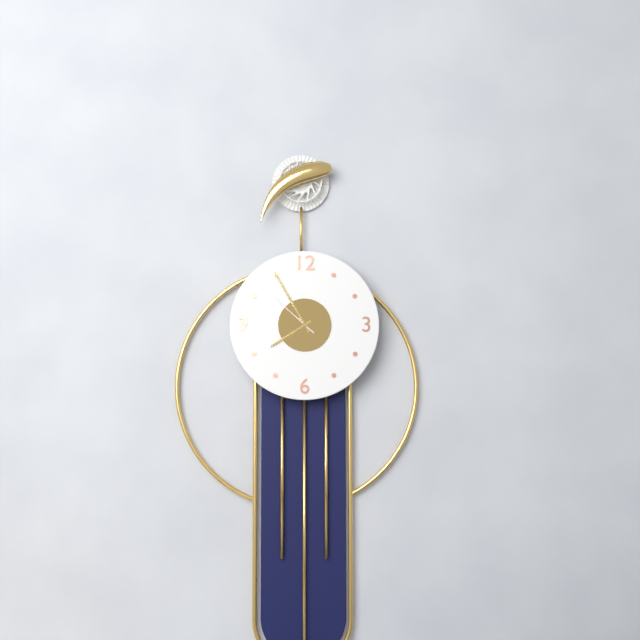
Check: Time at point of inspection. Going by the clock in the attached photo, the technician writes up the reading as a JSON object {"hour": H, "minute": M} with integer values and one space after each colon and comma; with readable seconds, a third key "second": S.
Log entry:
{"hour": 7, "minute": 55, "second": 52}
